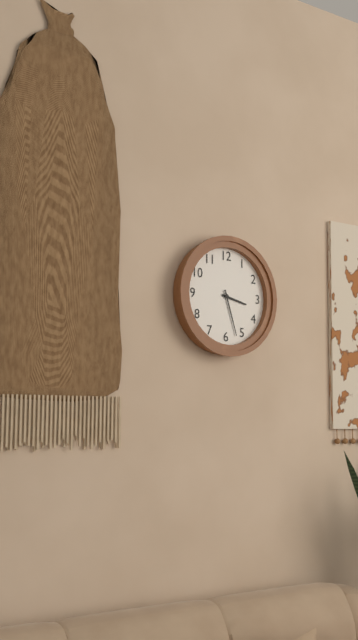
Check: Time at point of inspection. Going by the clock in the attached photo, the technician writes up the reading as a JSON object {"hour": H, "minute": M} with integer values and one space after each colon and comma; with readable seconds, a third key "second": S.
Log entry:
{"hour": 3, "minute": 27}
